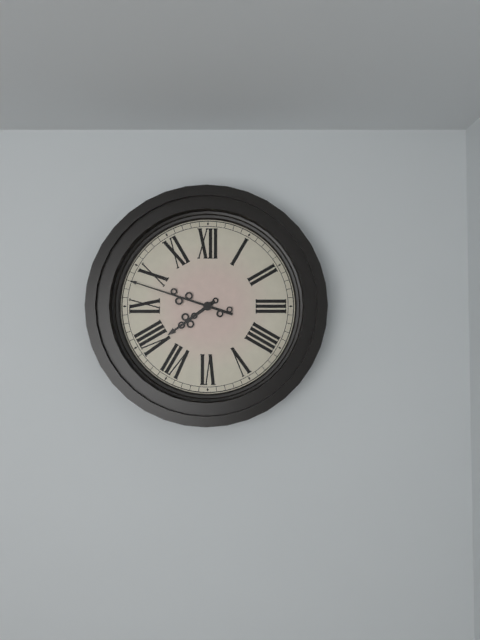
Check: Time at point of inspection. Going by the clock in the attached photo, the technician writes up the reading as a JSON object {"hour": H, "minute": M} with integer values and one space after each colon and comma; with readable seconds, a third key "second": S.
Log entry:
{"hour": 7, "minute": 48}
